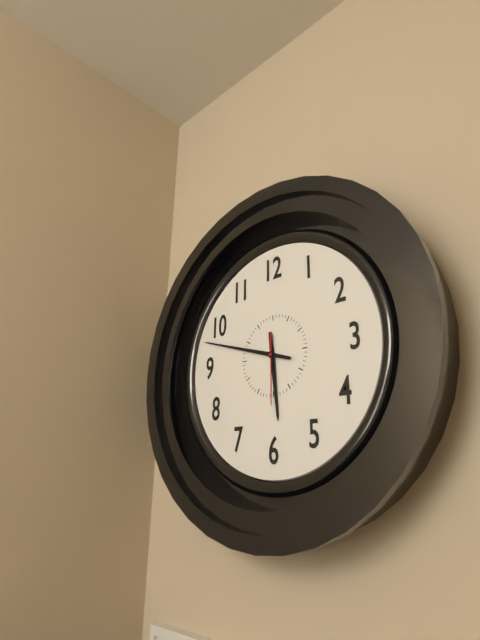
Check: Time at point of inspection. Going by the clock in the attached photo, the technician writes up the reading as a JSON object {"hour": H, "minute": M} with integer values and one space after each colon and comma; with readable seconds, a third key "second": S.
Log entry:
{"hour": 5, "minute": 48, "second": 30}
